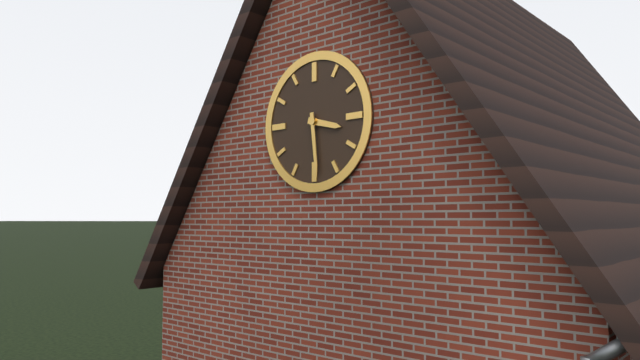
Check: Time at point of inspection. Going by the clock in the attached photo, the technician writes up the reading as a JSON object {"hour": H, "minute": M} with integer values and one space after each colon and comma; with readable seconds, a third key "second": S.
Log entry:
{"hour": 3, "minute": 29}
